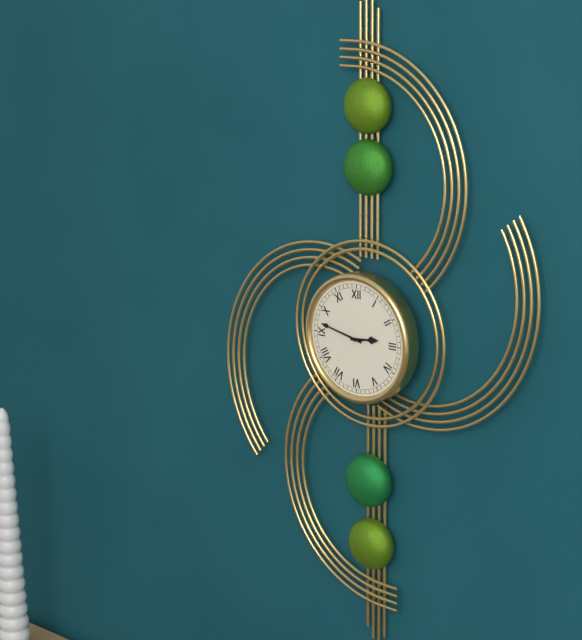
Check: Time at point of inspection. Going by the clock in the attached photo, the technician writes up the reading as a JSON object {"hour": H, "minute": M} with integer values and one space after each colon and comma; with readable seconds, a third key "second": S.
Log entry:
{"hour": 2, "minute": 47}
